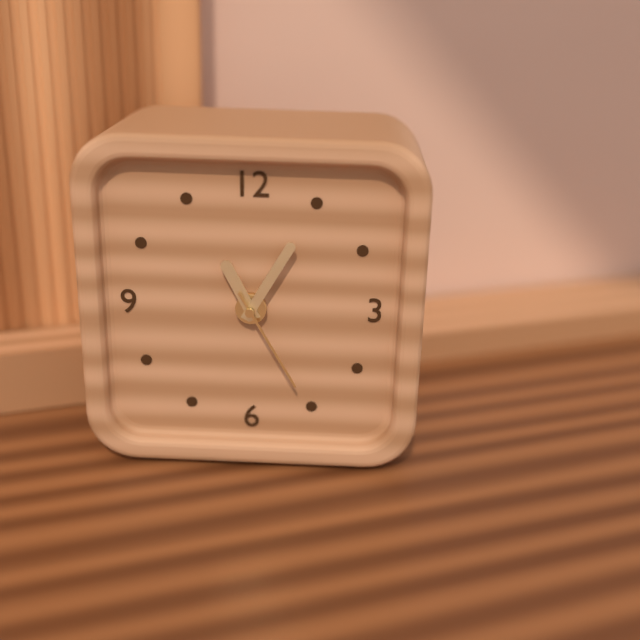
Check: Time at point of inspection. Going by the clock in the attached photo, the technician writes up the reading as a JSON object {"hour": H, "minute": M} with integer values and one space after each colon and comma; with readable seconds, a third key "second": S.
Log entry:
{"hour": 11, "minute": 5, "second": 25}
